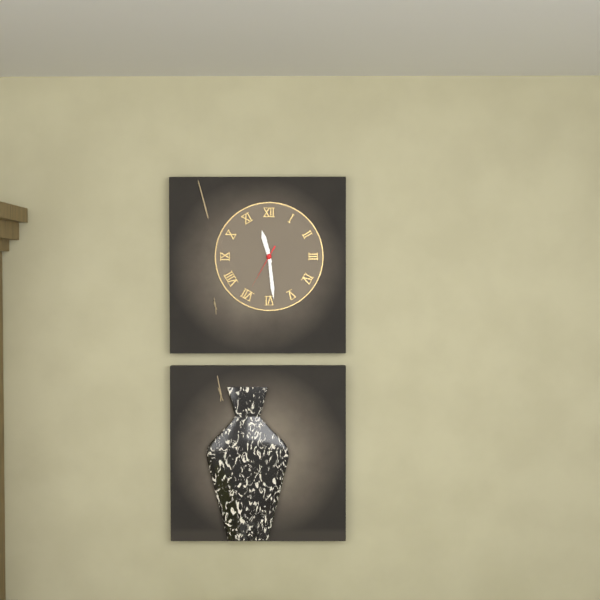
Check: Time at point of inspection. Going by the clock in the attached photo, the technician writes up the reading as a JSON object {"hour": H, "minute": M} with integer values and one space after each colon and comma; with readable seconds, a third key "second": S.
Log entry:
{"hour": 11, "minute": 29}
